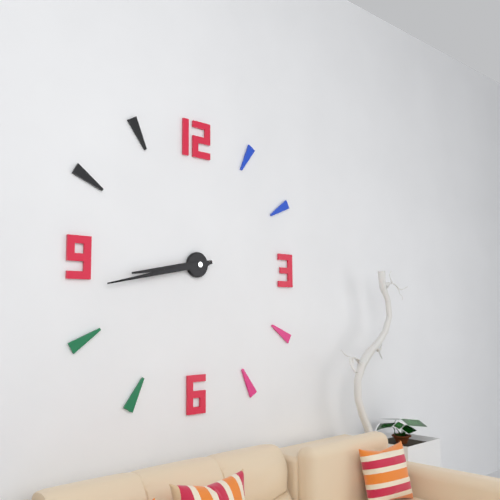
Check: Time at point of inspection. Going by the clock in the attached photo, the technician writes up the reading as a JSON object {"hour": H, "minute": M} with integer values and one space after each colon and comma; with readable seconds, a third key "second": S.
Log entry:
{"hour": 8, "minute": 43}
